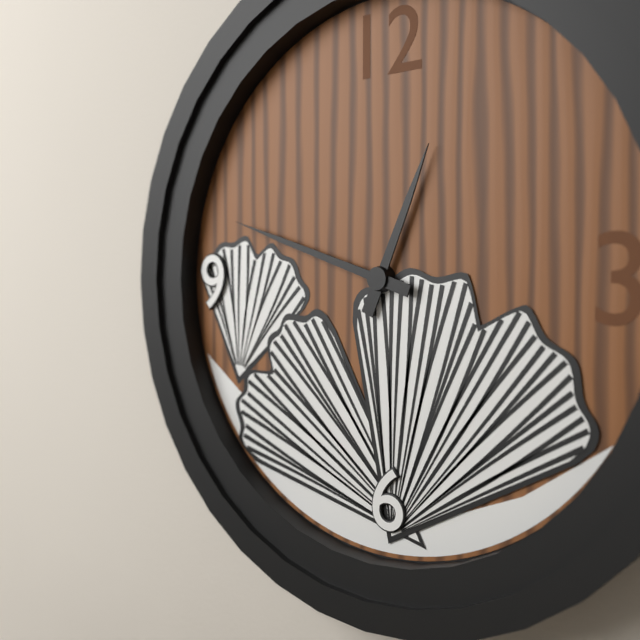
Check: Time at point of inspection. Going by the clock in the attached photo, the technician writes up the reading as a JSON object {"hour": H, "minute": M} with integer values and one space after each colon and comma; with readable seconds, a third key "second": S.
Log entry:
{"hour": 12, "minute": 48}
